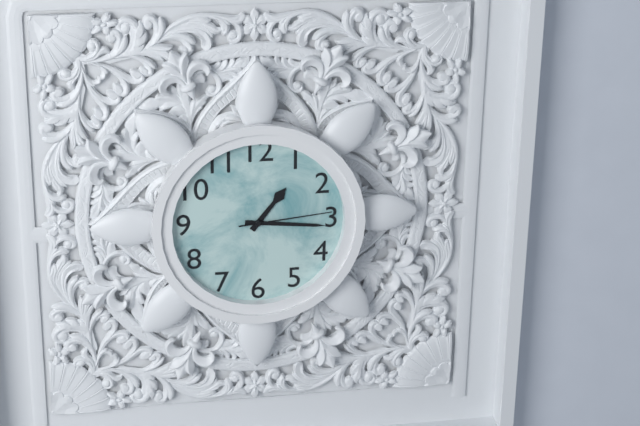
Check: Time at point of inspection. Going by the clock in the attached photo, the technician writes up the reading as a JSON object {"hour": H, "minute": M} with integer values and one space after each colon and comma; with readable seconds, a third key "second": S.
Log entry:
{"hour": 1, "minute": 16, "second": 14}
